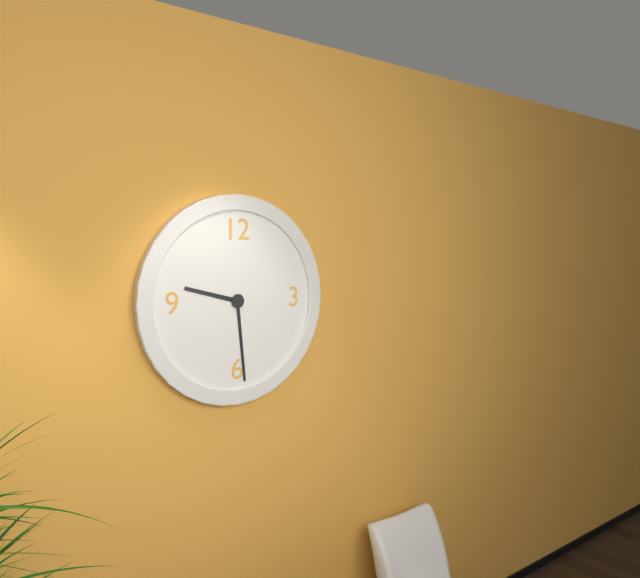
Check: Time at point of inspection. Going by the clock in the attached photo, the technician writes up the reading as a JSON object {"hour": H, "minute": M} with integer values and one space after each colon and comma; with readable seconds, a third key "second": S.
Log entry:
{"hour": 9, "minute": 29}
